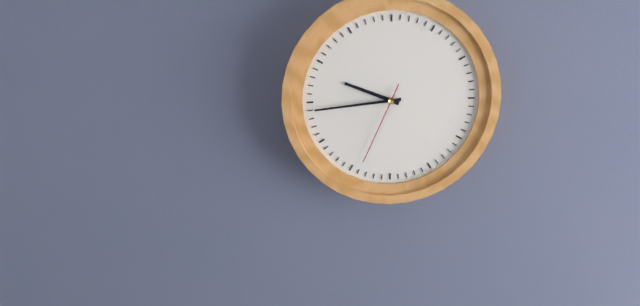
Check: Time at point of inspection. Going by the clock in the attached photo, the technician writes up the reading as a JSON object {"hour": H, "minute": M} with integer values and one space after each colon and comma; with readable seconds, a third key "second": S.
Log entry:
{"hour": 9, "minute": 44, "second": 34}
